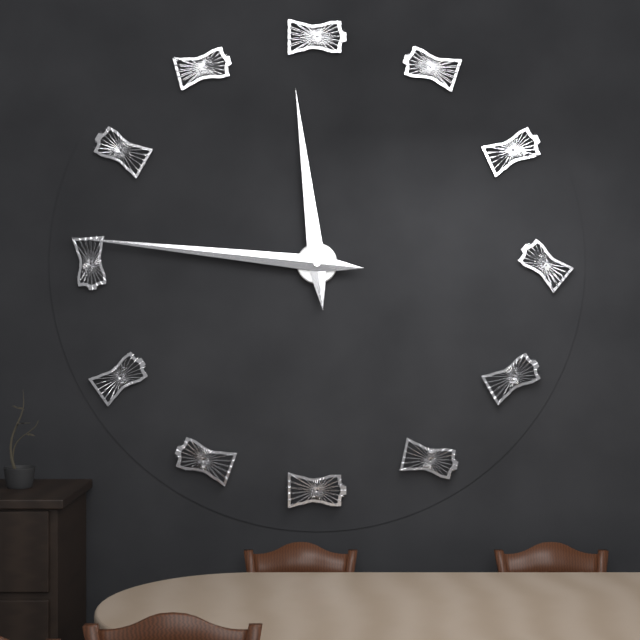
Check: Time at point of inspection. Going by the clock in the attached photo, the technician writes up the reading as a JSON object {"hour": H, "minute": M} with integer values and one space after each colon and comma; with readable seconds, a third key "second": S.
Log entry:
{"hour": 11, "minute": 46}
